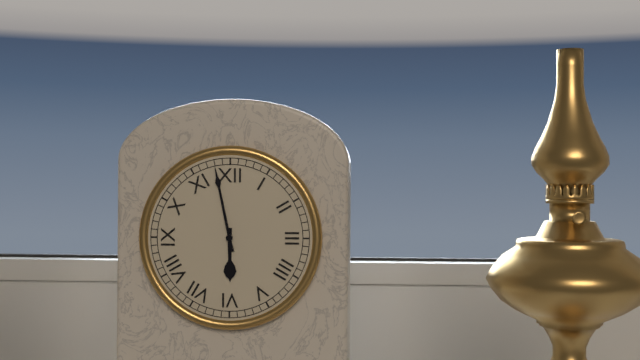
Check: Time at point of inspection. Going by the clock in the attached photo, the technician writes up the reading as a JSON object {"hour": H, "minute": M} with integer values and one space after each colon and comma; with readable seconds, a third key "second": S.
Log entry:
{"hour": 5, "minute": 58}
